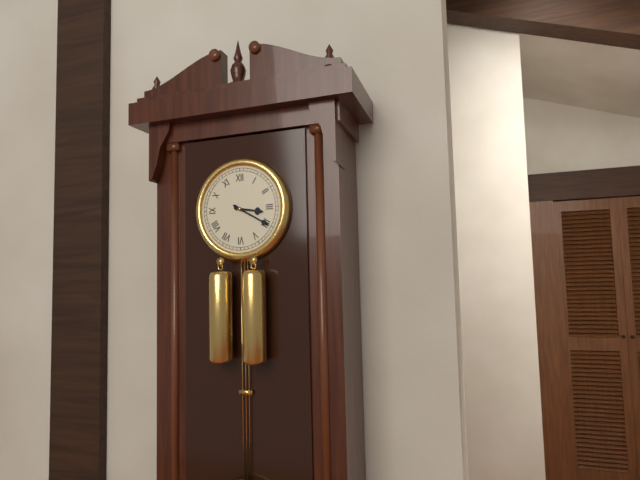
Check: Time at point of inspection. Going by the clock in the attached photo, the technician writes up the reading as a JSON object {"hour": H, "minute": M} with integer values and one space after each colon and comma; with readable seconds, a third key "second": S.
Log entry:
{"hour": 3, "minute": 20}
